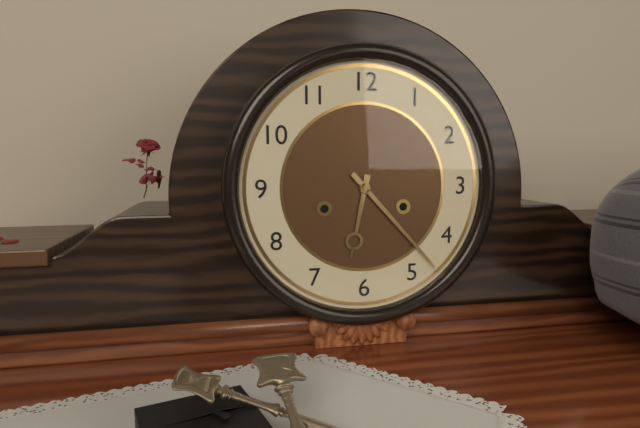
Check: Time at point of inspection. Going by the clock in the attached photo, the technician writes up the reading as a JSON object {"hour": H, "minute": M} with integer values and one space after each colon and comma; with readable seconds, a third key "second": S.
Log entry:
{"hour": 6, "minute": 23}
